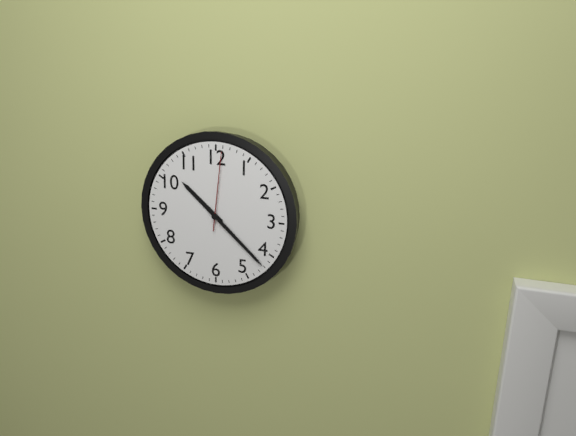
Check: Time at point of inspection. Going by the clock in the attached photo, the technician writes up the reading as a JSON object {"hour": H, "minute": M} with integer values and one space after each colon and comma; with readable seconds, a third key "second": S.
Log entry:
{"hour": 10, "minute": 22, "second": 1}
